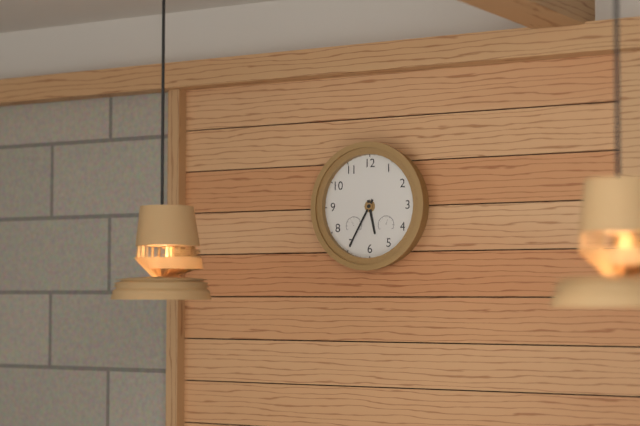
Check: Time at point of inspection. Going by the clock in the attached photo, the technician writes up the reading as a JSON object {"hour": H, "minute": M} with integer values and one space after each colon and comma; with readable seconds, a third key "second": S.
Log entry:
{"hour": 5, "minute": 35}
